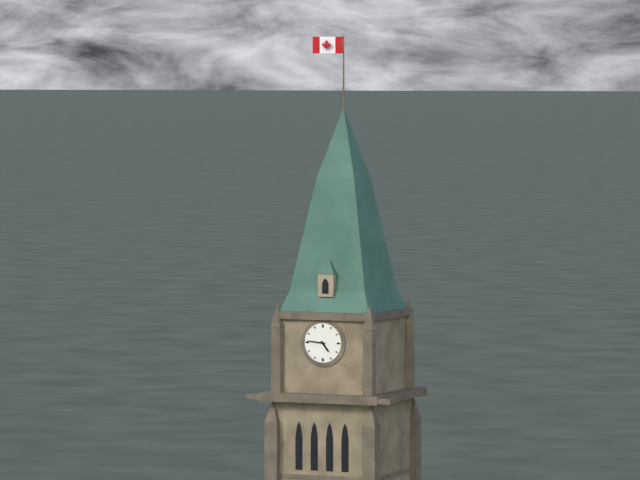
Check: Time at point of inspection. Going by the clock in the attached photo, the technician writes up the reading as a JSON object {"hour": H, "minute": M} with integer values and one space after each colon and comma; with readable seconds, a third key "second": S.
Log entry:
{"hour": 4, "minute": 46}
